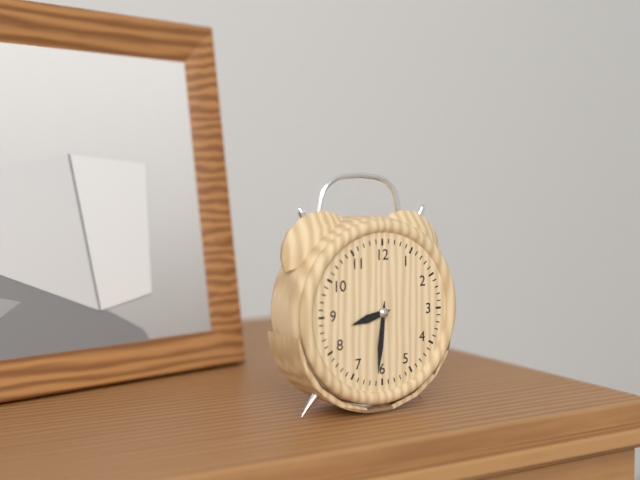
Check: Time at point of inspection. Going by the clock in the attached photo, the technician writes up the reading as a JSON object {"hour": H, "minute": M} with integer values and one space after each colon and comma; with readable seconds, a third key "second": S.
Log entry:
{"hour": 8, "minute": 31}
